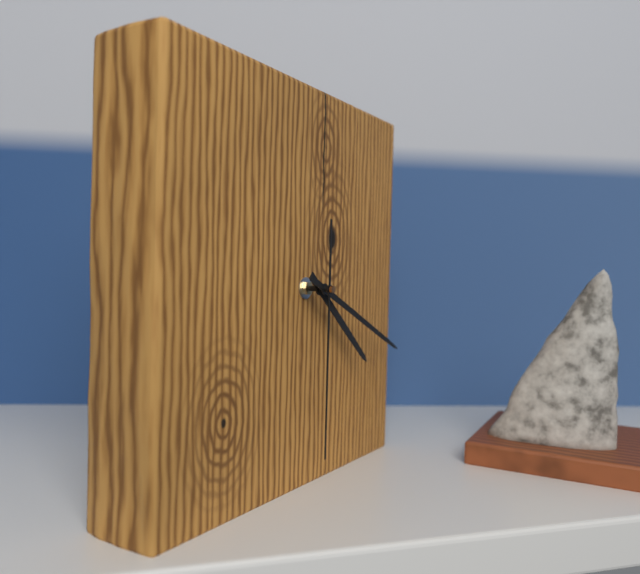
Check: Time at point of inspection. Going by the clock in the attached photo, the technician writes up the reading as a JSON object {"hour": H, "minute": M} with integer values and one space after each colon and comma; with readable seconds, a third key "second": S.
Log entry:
{"hour": 4, "minute": 19, "second": 30}
